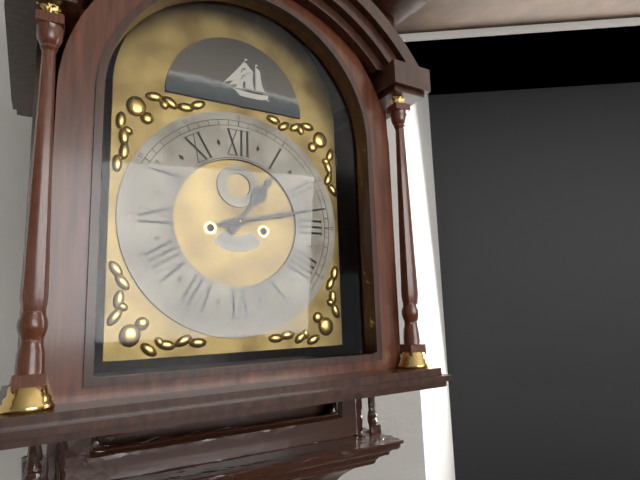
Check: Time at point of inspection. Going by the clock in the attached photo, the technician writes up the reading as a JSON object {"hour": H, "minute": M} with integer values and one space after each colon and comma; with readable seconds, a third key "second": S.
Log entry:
{"hour": 1, "minute": 13}
